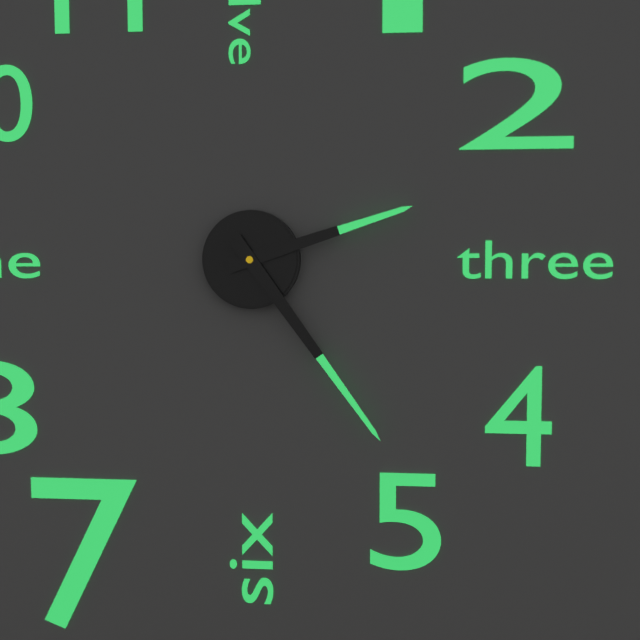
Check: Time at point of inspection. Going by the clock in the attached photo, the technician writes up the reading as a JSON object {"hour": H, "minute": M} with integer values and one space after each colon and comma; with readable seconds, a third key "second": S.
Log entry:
{"hour": 2, "minute": 24}
